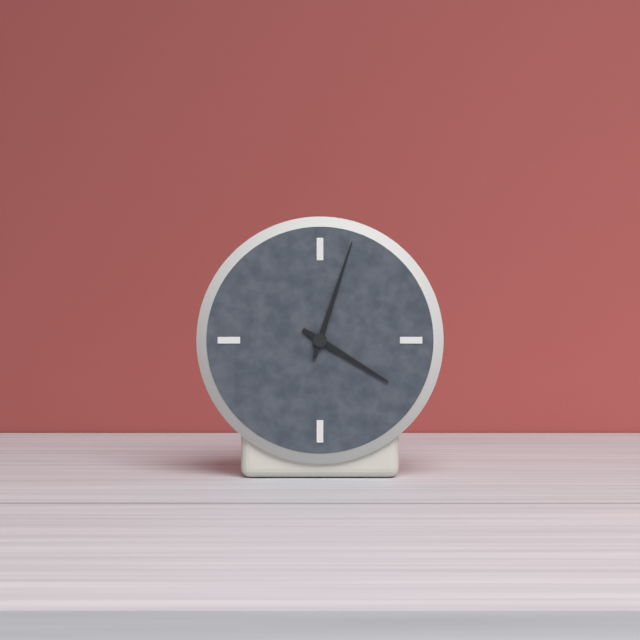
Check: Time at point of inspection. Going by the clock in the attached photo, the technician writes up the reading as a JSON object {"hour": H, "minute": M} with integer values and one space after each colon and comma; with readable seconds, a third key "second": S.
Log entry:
{"hour": 4, "minute": 3}
